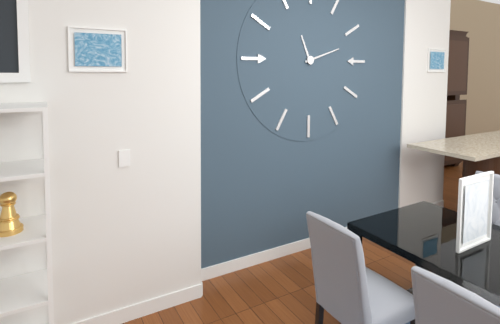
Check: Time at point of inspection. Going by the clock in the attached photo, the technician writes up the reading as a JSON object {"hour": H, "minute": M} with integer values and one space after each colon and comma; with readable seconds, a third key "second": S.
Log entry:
{"hour": 11, "minute": 12}
